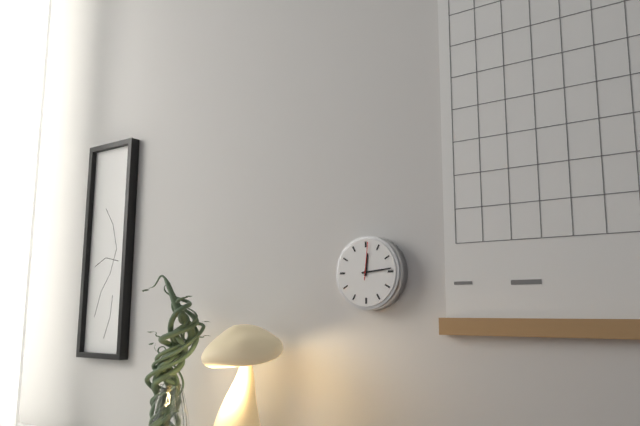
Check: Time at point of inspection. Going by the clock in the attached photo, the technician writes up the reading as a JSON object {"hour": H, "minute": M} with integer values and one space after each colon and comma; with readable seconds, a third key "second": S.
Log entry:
{"hour": 12, "minute": 14}
